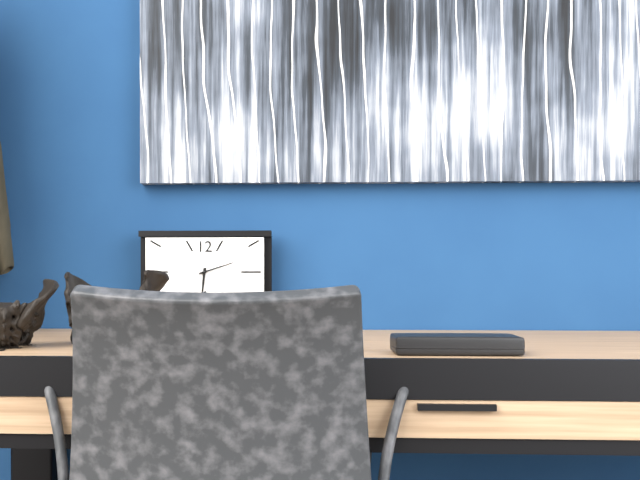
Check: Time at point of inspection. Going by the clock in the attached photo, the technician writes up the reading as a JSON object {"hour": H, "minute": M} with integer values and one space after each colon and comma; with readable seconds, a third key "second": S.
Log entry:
{"hour": 6, "minute": 12}
